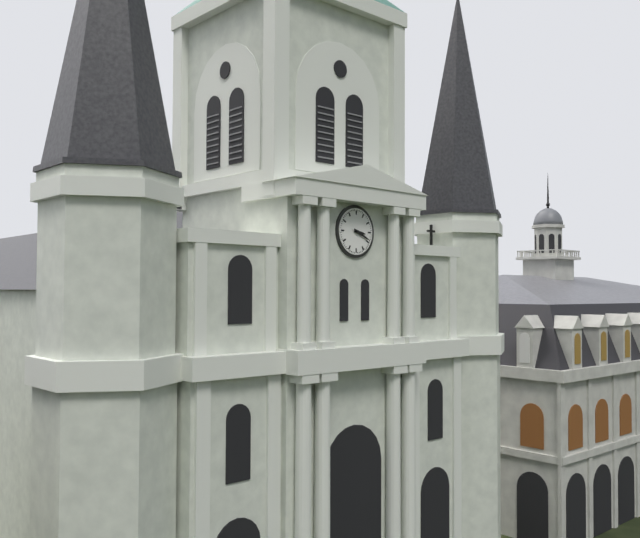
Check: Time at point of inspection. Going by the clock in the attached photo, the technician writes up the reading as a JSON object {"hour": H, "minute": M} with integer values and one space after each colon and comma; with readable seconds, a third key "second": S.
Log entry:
{"hour": 3, "minute": 19}
